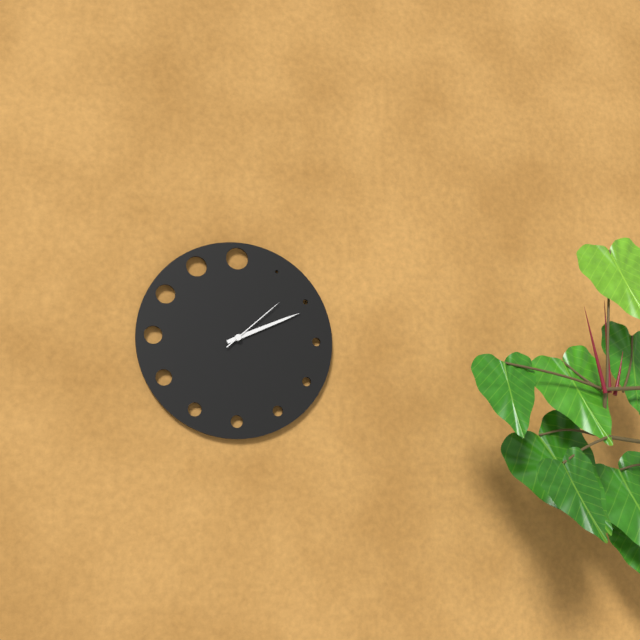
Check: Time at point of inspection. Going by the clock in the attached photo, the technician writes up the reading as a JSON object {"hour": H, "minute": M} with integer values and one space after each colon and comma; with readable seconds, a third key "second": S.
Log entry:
{"hour": 2, "minute": 11, "second": 8}
